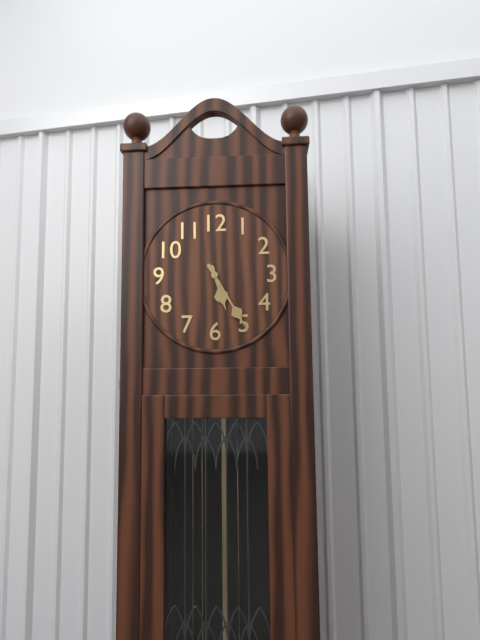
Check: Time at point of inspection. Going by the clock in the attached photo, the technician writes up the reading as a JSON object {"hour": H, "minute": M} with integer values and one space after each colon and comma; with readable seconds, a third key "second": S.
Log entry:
{"hour": 5, "minute": 25}
